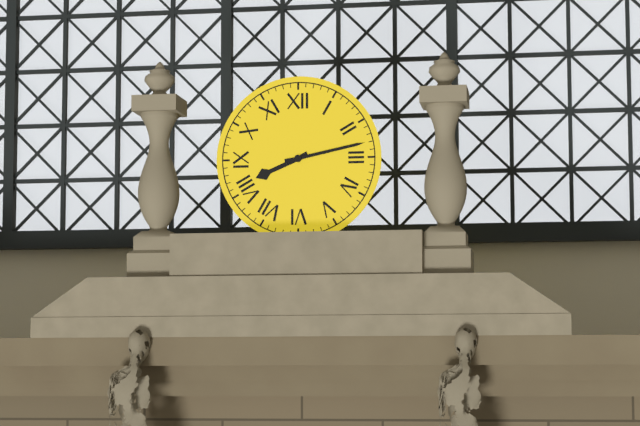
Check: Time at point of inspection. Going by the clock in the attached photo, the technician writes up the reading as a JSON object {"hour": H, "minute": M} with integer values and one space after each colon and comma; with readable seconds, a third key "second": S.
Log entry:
{"hour": 8, "minute": 13}
